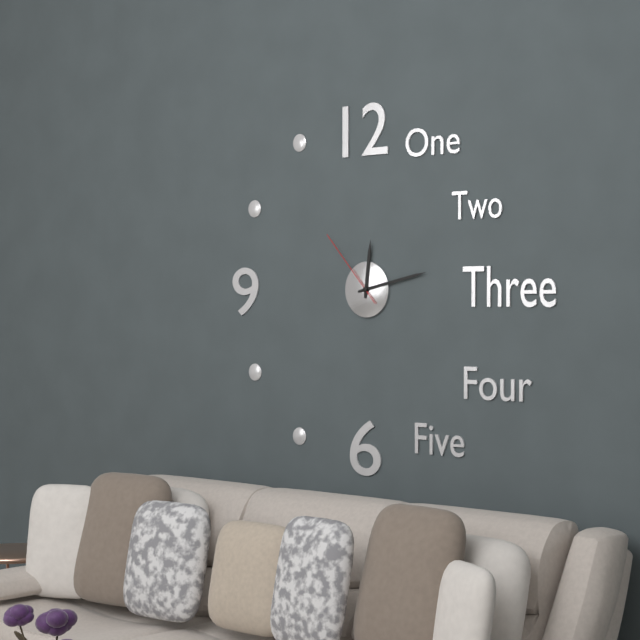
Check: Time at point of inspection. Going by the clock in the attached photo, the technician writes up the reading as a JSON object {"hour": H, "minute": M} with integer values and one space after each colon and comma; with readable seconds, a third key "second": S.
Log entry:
{"hour": 12, "minute": 13, "second": 53}
